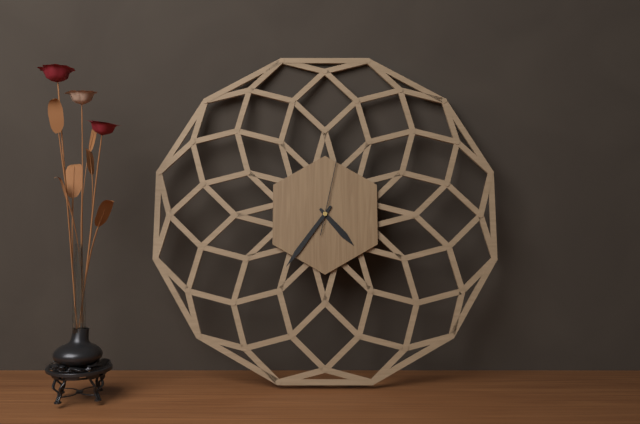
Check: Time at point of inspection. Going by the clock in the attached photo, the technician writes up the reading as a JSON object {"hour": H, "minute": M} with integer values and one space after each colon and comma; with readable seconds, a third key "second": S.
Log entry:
{"hour": 4, "minute": 36, "second": 2}
